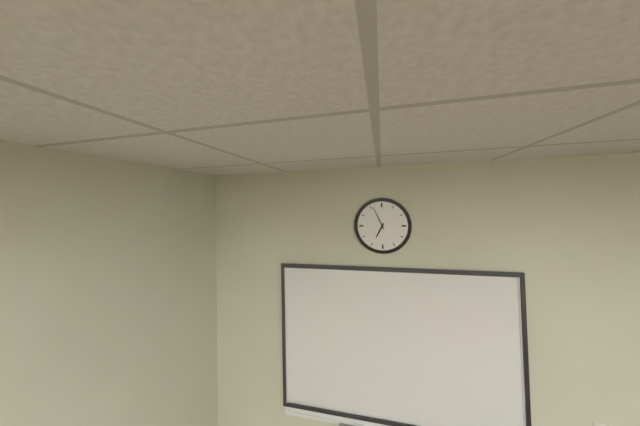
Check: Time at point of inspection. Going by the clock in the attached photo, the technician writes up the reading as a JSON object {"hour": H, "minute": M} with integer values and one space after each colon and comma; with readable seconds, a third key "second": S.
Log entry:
{"hour": 6, "minute": 56}
